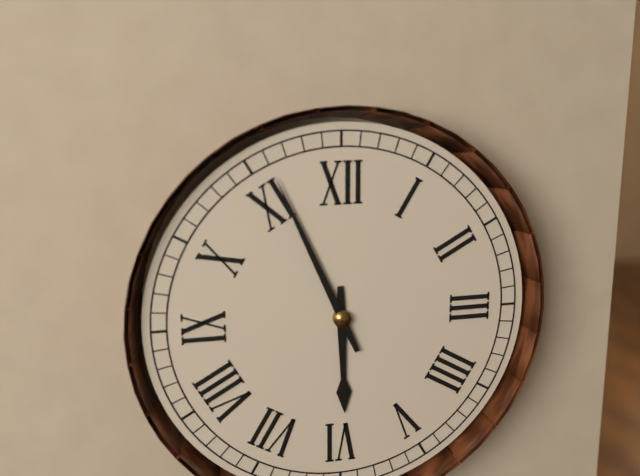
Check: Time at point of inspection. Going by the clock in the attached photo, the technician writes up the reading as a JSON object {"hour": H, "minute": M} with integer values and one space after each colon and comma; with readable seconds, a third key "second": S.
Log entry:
{"hour": 5, "minute": 56}
